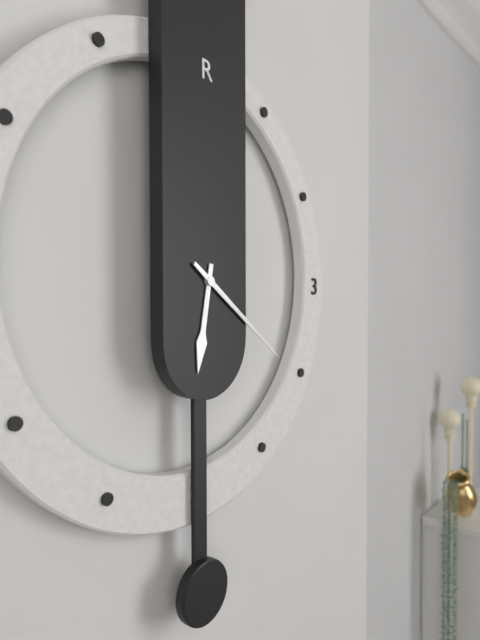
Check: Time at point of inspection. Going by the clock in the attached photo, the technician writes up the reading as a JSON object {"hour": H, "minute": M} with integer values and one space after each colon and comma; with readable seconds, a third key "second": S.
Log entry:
{"hour": 6, "minute": 21}
